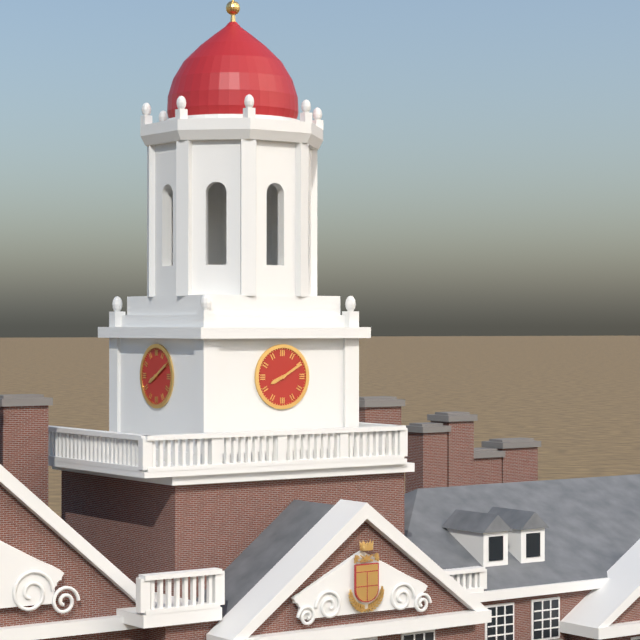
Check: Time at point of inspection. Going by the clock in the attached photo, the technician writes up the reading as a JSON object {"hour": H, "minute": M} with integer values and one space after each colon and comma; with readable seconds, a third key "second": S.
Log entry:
{"hour": 8, "minute": 10}
